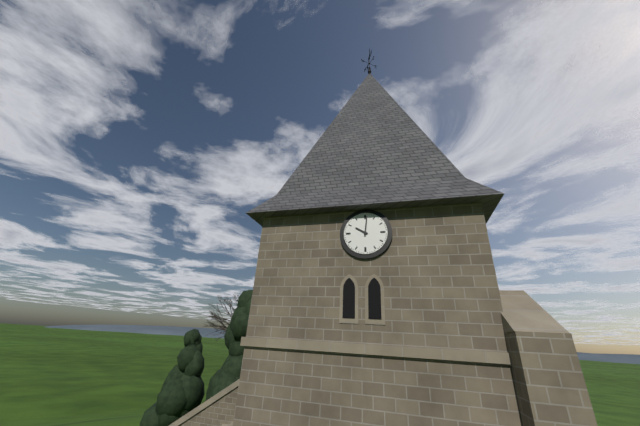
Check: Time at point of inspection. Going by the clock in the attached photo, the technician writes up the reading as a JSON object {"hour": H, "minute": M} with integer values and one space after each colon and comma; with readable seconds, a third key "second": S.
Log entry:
{"hour": 10, "minute": 1}
